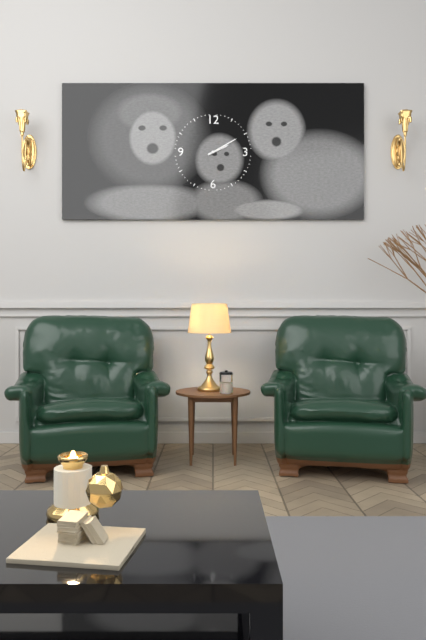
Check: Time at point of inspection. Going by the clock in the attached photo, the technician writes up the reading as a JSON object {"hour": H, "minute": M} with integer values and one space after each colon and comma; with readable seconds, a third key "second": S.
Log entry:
{"hour": 2, "minute": 10}
